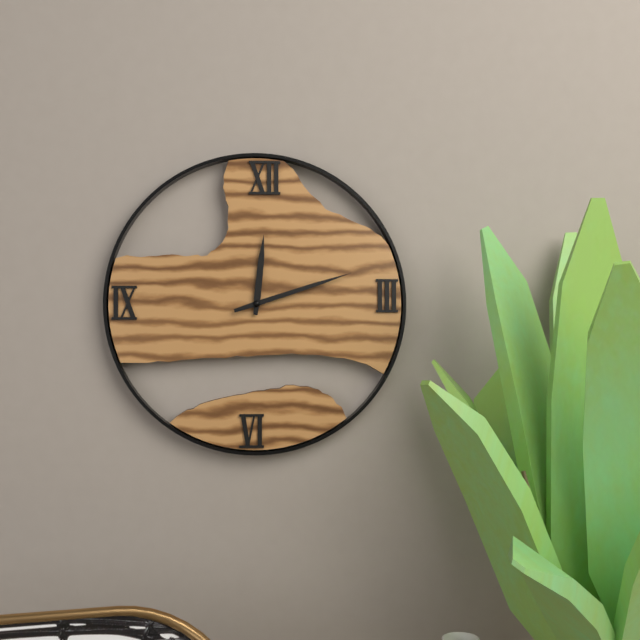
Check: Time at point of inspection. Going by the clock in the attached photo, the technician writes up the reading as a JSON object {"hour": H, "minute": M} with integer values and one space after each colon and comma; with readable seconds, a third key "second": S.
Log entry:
{"hour": 12, "minute": 12}
